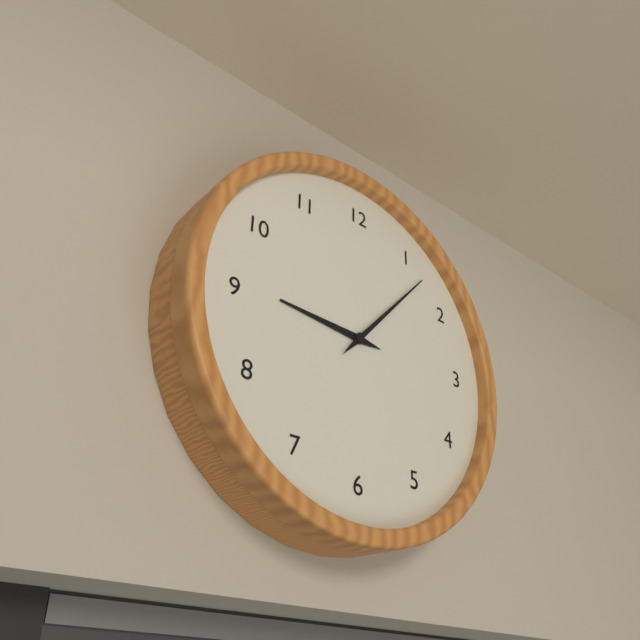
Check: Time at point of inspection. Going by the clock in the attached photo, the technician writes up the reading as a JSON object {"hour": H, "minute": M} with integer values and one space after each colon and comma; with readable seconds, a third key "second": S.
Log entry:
{"hour": 9, "minute": 7}
